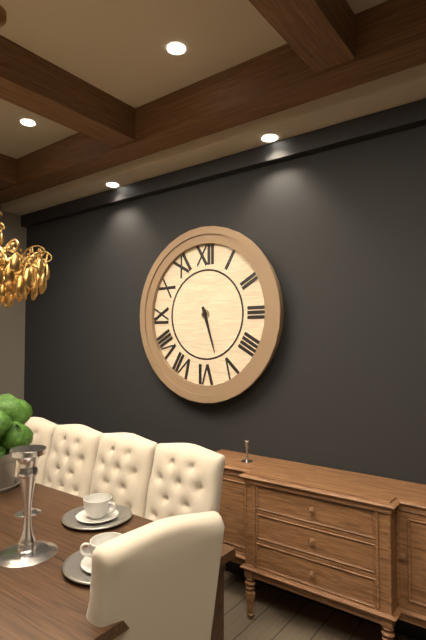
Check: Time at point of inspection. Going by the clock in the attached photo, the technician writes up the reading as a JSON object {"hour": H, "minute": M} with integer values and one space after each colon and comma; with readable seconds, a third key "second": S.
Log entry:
{"hour": 5, "minute": 27}
